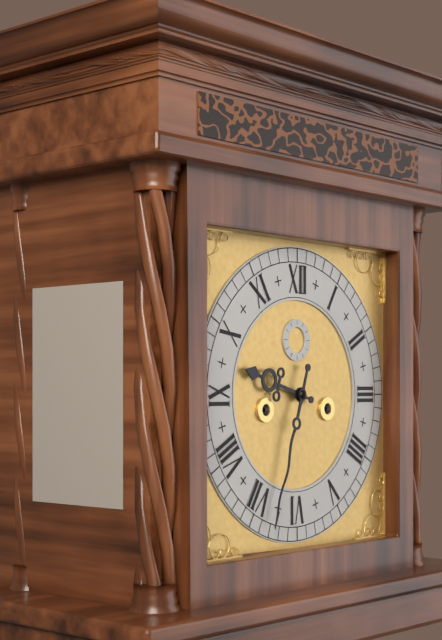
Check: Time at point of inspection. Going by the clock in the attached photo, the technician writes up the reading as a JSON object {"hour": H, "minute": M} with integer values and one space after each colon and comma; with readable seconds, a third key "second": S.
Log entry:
{"hour": 9, "minute": 33}
